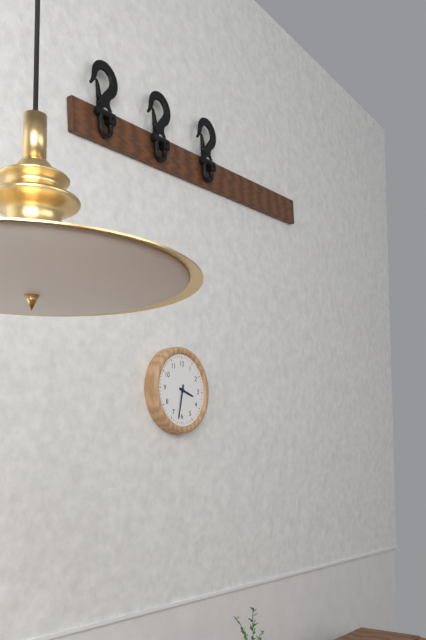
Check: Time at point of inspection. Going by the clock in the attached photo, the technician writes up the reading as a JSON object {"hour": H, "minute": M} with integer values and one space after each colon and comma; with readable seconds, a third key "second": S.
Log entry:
{"hour": 3, "minute": 32}
